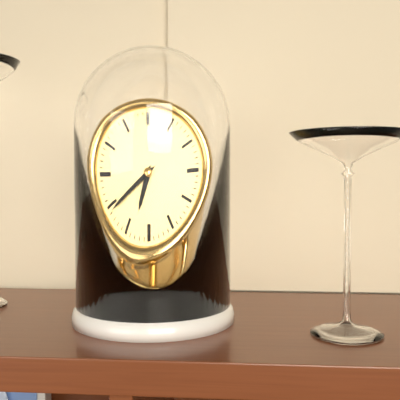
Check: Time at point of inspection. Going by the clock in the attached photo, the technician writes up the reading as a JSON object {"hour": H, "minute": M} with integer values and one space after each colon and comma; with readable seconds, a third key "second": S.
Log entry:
{"hour": 6, "minute": 39}
